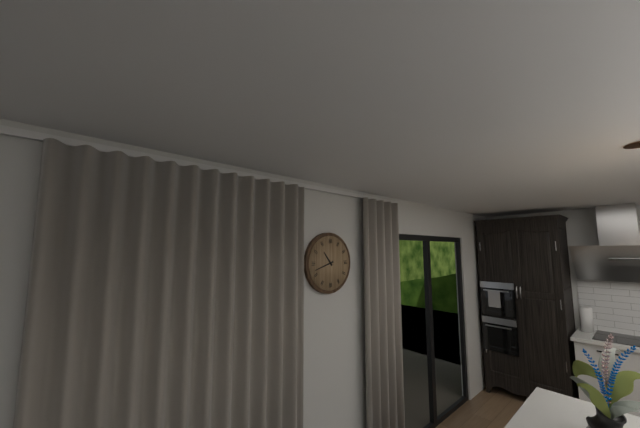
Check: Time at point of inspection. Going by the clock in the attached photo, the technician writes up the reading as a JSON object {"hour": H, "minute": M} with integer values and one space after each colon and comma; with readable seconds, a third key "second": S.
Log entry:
{"hour": 10, "minute": 42}
